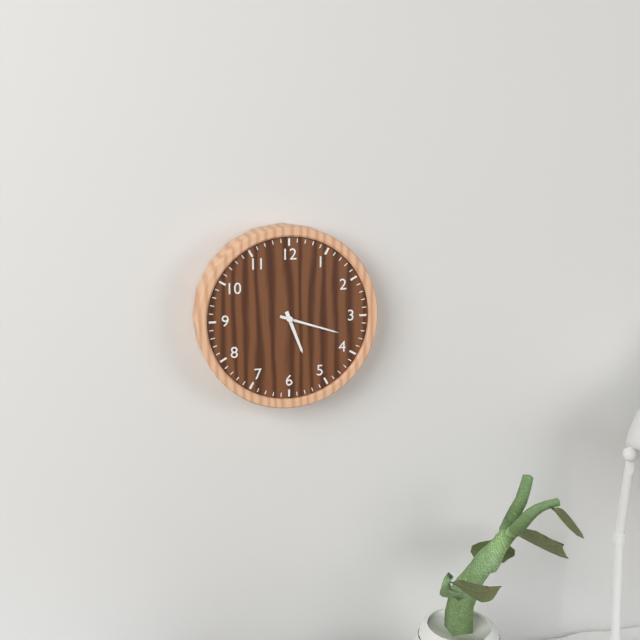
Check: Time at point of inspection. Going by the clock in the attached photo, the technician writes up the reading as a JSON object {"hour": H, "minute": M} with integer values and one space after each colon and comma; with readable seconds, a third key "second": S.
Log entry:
{"hour": 5, "minute": 18}
